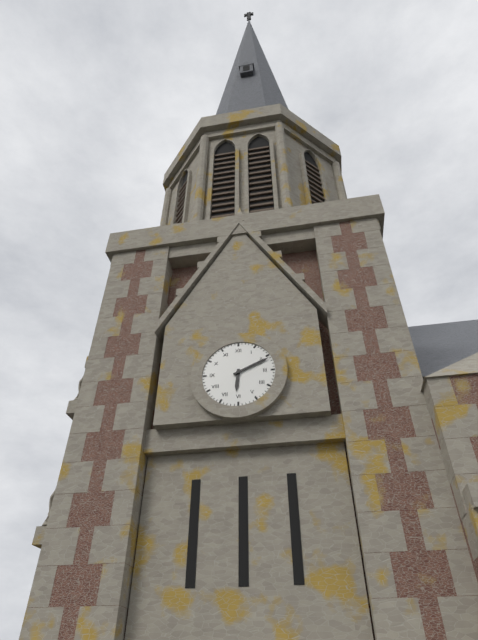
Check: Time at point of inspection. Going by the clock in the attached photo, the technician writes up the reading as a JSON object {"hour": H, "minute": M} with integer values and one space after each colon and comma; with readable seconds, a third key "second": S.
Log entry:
{"hour": 6, "minute": 11}
